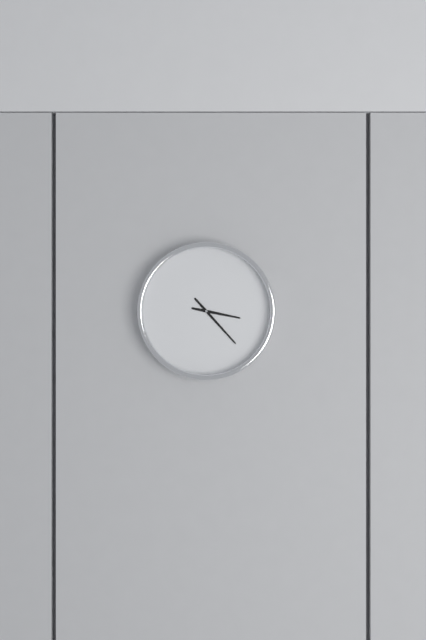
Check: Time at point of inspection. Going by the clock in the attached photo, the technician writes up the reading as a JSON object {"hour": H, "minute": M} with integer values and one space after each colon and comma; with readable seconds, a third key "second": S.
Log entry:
{"hour": 3, "minute": 23}
